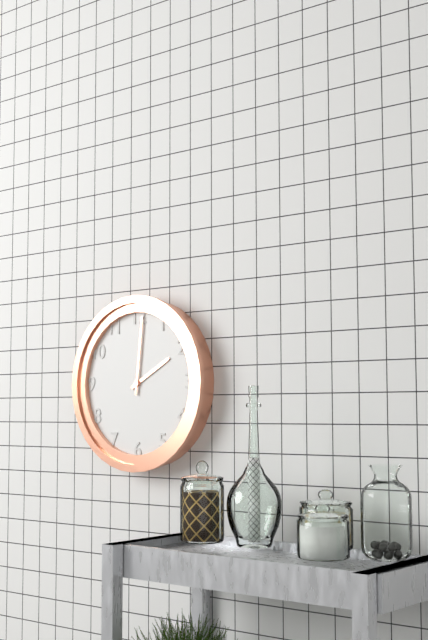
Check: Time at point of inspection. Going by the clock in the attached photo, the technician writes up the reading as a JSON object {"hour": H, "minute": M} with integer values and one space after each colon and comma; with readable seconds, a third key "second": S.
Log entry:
{"hour": 2, "minute": 1}
